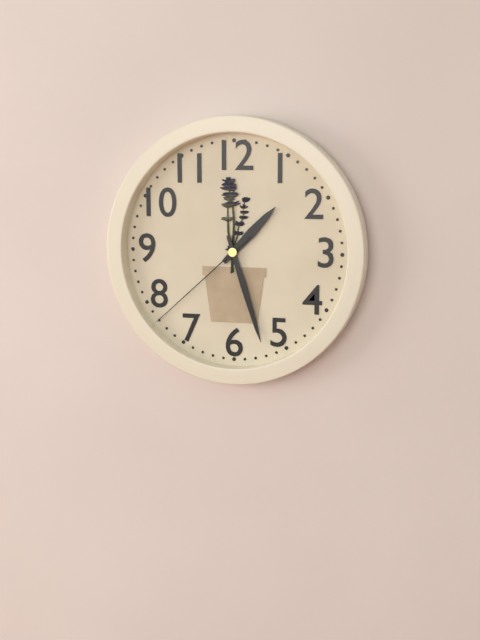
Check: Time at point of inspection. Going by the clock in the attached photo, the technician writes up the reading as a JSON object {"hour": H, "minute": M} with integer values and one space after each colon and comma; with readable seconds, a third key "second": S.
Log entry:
{"hour": 1, "minute": 27, "second": 38}
